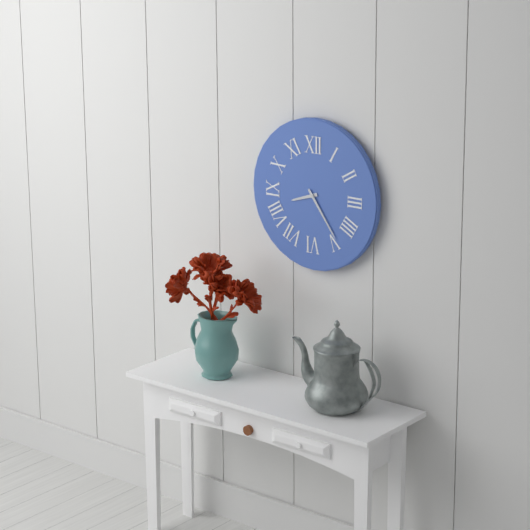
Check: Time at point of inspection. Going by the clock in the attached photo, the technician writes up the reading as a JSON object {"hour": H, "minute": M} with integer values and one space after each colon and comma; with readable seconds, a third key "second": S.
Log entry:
{"hour": 8, "minute": 24}
